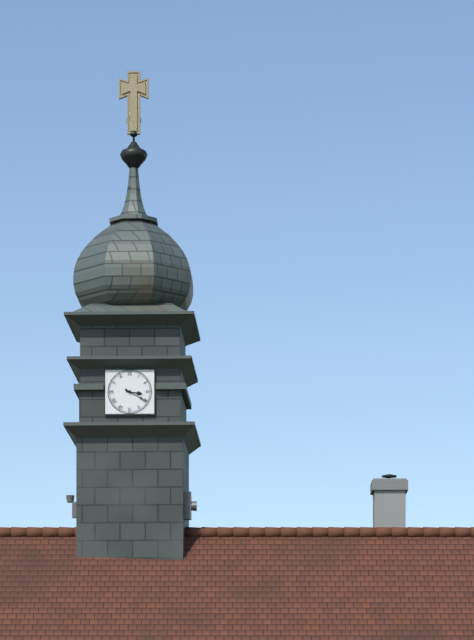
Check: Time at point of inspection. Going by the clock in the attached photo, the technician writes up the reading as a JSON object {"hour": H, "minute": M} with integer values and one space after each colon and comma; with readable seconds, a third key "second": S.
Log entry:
{"hour": 3, "minute": 20}
